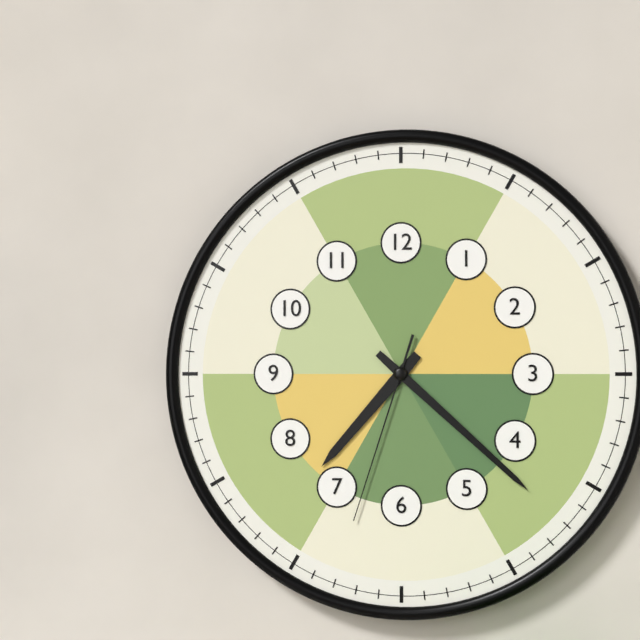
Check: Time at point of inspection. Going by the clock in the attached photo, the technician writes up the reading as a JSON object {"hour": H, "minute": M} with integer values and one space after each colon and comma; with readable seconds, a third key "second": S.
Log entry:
{"hour": 7, "minute": 22, "second": 33}
